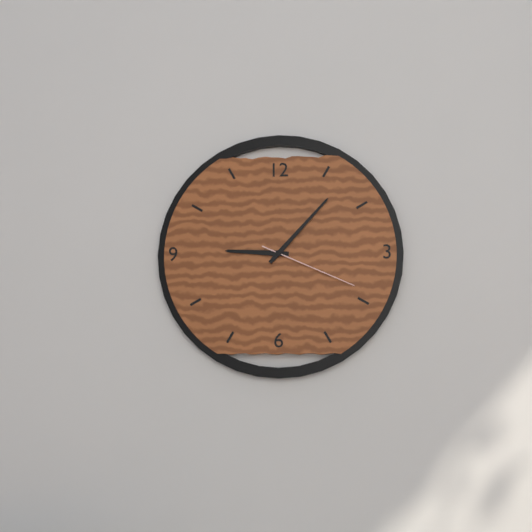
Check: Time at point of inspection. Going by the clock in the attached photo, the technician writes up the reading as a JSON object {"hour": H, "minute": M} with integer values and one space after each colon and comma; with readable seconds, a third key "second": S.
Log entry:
{"hour": 9, "minute": 7, "second": 19}
